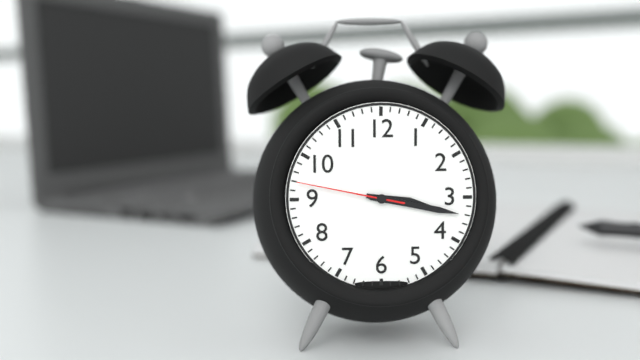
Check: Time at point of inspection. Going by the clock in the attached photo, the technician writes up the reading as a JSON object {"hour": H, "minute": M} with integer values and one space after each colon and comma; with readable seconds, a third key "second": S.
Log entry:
{"hour": 3, "minute": 17, "second": 47}
